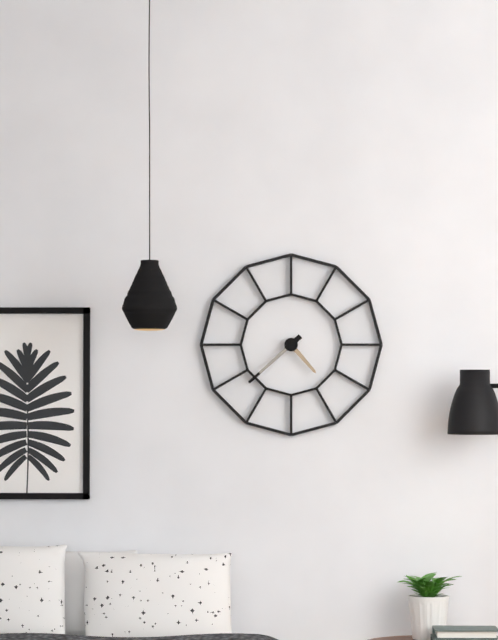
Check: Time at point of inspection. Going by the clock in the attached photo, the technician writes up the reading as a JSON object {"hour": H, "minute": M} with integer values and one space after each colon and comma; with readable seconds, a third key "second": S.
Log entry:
{"hour": 4, "minute": 38}
